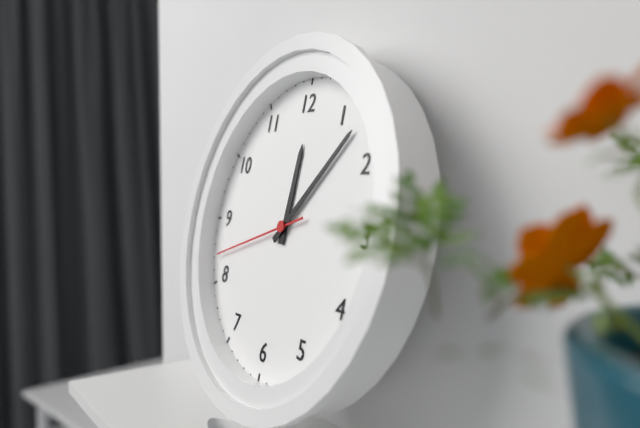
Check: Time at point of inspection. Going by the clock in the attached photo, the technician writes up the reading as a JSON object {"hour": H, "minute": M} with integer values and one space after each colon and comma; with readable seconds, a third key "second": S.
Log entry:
{"hour": 12, "minute": 7, "second": 42}
